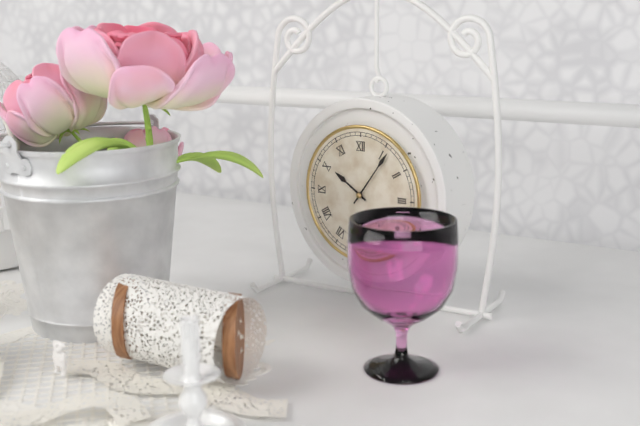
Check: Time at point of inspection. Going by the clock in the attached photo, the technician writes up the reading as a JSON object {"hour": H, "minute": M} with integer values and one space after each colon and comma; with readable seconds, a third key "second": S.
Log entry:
{"hour": 10, "minute": 6}
